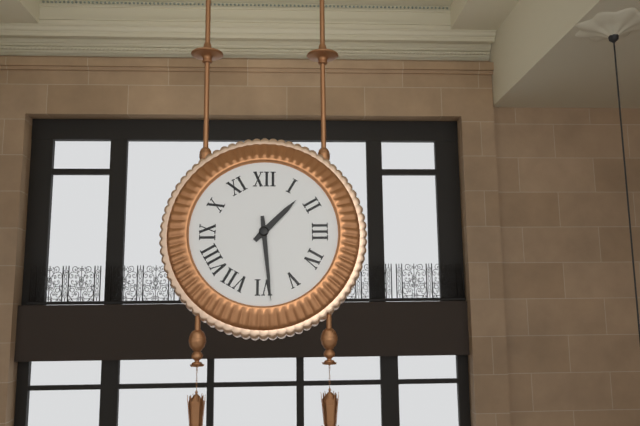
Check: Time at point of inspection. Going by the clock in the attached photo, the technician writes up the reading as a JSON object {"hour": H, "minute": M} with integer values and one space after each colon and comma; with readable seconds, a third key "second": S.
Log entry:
{"hour": 1, "minute": 29}
